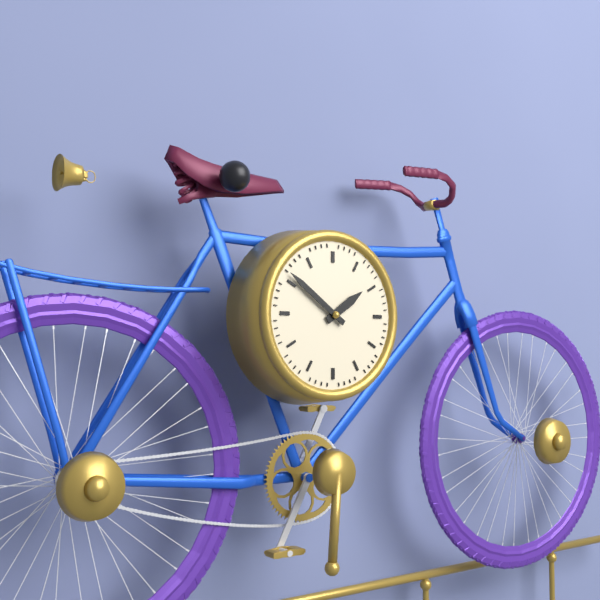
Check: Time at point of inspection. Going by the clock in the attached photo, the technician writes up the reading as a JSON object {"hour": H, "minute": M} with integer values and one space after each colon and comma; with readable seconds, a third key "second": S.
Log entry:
{"hour": 1, "minute": 51}
